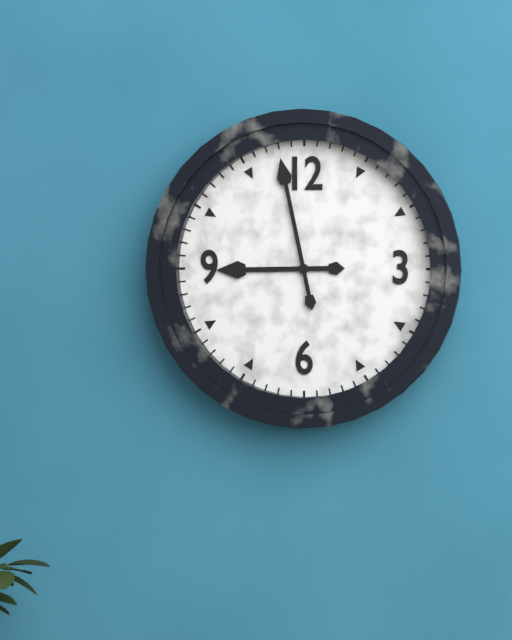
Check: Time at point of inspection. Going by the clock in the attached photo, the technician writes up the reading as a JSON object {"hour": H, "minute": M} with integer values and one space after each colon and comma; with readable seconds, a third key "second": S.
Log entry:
{"hour": 8, "minute": 58}
